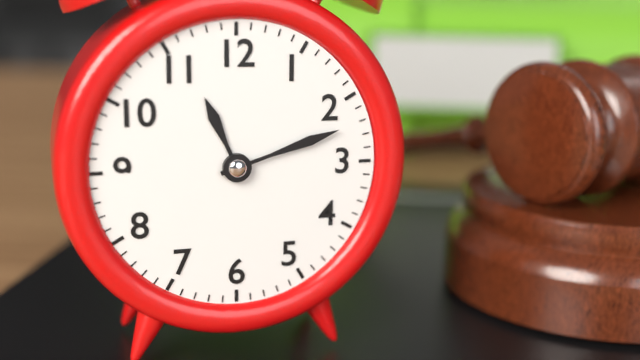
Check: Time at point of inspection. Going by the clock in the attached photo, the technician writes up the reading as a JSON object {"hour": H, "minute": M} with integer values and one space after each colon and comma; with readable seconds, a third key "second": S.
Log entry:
{"hour": 11, "minute": 12}
